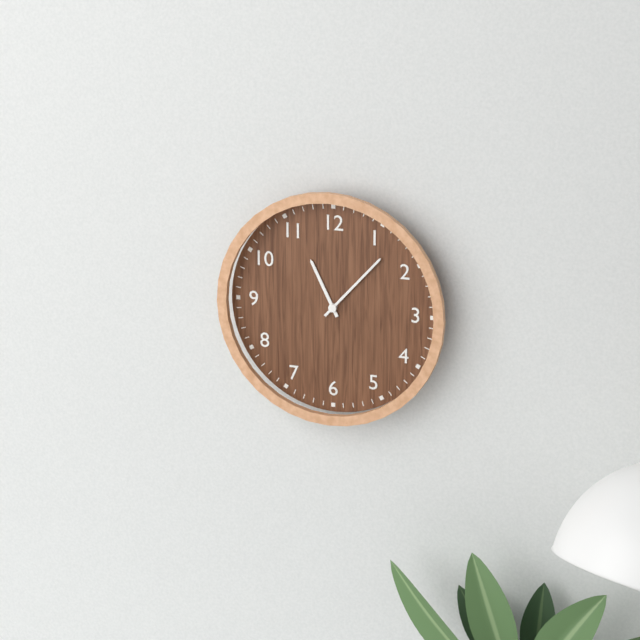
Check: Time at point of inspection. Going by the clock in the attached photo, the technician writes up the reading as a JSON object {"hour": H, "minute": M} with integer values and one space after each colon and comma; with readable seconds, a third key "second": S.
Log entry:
{"hour": 11, "minute": 7}
